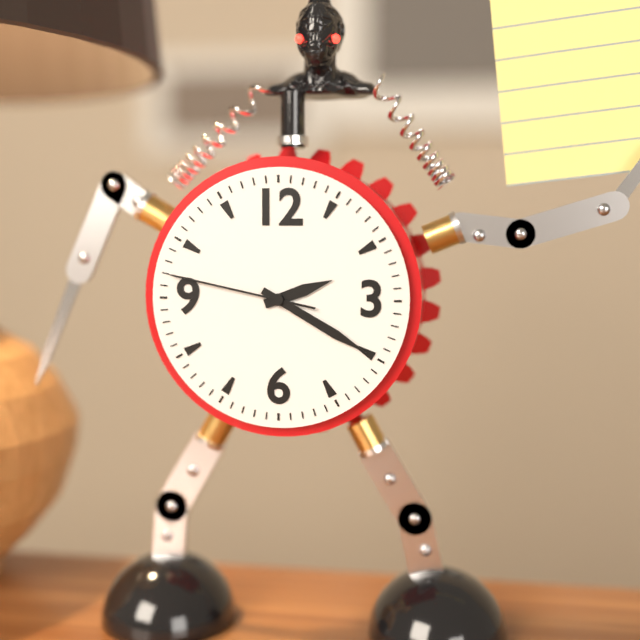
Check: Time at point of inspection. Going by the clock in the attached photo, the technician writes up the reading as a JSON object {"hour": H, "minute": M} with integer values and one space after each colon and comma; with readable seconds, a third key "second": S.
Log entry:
{"hour": 2, "minute": 20, "second": 47}
